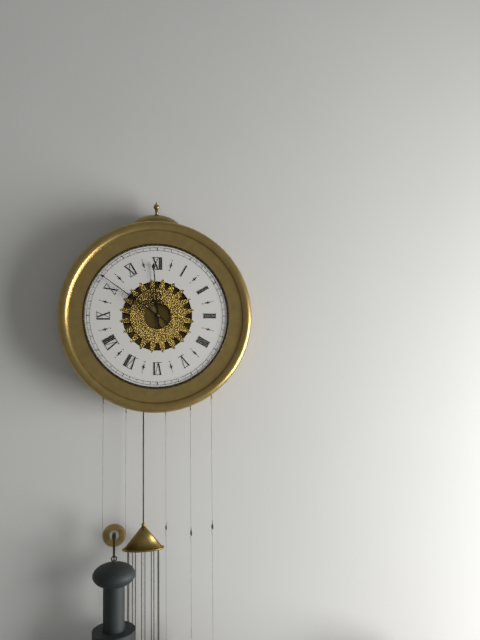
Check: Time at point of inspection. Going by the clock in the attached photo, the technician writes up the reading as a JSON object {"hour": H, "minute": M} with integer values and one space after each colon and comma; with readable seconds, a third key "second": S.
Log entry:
{"hour": 11, "minute": 51}
